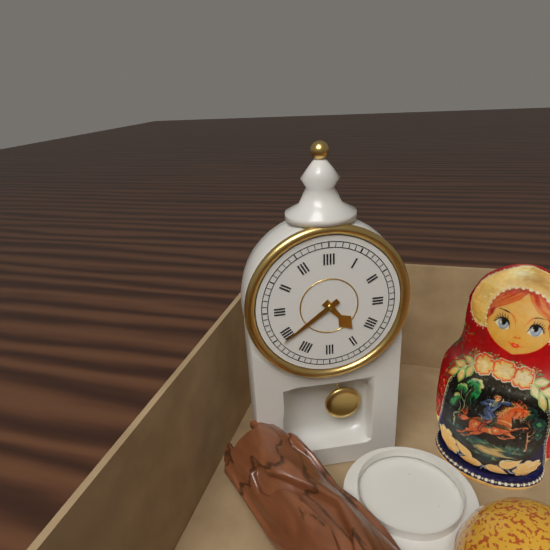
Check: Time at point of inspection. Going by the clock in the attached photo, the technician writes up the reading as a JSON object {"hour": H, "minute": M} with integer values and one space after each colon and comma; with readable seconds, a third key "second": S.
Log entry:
{"hour": 4, "minute": 39}
